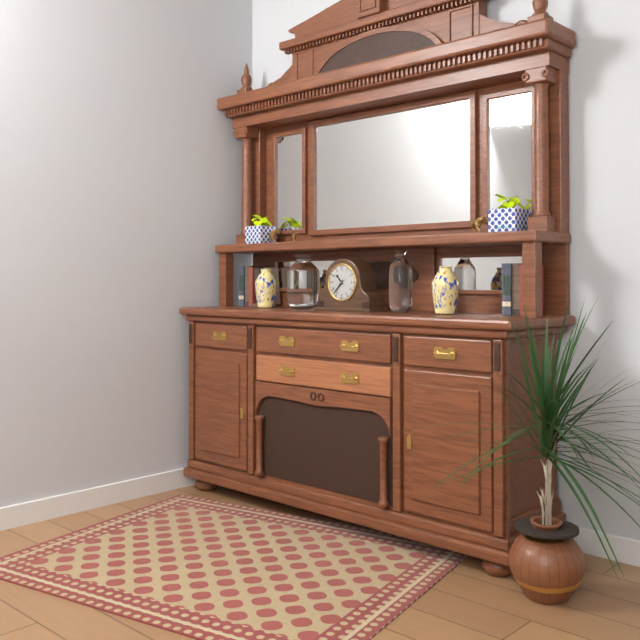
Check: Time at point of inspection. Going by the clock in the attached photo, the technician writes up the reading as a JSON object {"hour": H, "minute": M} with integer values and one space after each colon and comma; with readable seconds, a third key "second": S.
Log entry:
{"hour": 10, "minute": 37}
